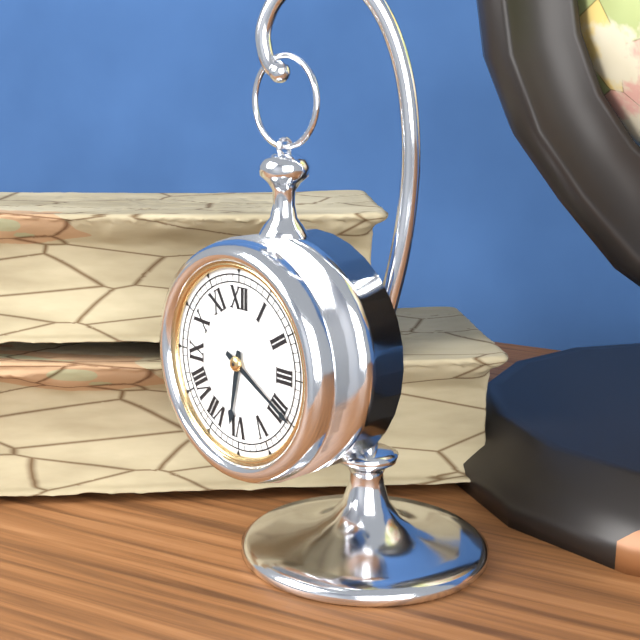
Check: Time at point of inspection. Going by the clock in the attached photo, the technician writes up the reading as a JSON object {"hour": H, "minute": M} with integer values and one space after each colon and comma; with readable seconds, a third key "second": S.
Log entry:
{"hour": 6, "minute": 20}
